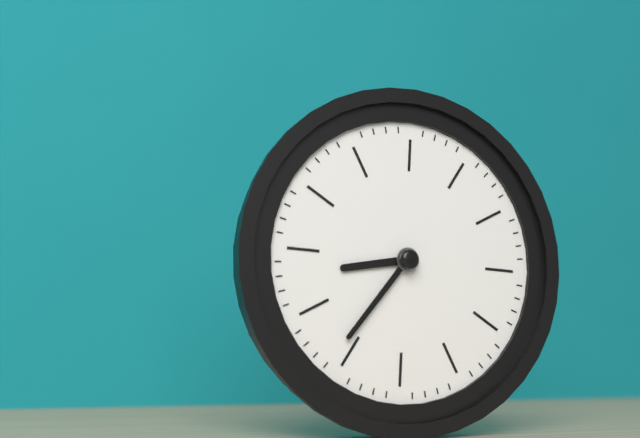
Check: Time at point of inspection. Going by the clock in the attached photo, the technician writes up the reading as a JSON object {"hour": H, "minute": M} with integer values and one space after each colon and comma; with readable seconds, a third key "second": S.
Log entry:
{"hour": 8, "minute": 36}
